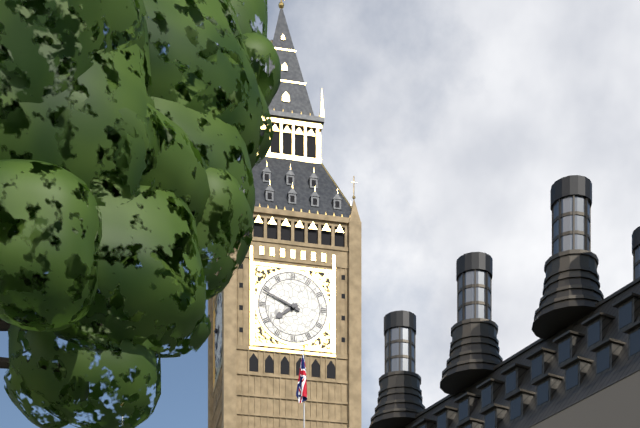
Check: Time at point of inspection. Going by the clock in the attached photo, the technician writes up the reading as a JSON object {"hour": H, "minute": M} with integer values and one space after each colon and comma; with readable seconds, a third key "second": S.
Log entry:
{"hour": 7, "minute": 49}
